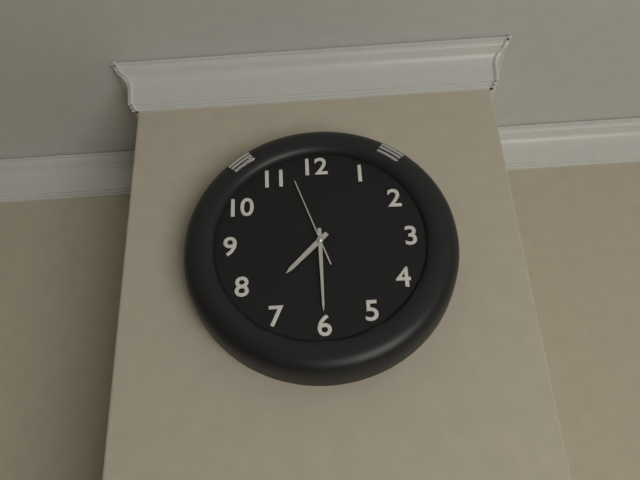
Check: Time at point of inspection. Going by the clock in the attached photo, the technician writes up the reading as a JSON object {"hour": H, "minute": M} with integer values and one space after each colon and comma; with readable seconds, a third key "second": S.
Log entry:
{"hour": 7, "minute": 30, "second": 57}
